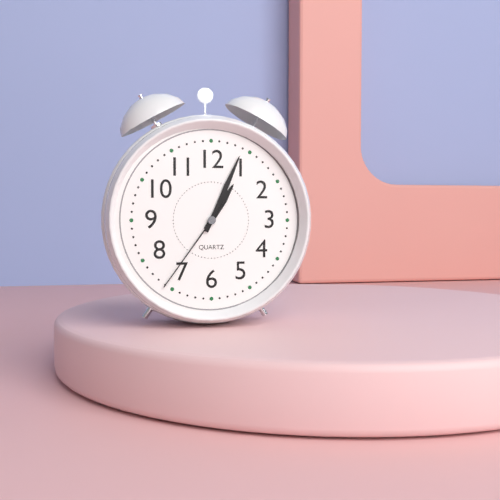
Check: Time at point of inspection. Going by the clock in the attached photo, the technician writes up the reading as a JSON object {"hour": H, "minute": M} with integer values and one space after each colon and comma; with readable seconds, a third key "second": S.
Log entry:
{"hour": 1, "minute": 4, "second": 36}
